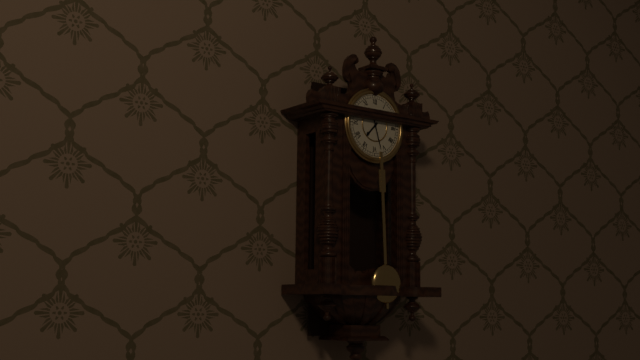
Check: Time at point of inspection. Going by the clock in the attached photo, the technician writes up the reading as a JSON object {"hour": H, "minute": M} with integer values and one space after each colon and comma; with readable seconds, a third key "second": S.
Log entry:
{"hour": 7, "minute": 27}
